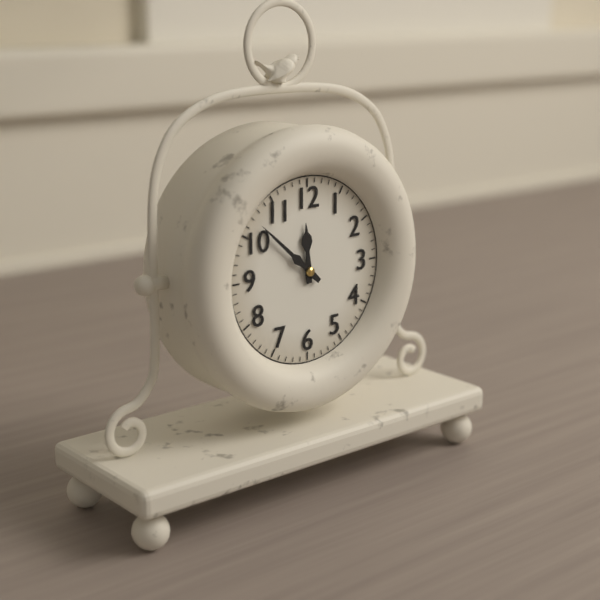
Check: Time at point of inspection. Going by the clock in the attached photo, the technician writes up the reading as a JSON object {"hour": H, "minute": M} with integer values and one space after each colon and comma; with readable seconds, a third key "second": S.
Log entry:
{"hour": 11, "minute": 52}
